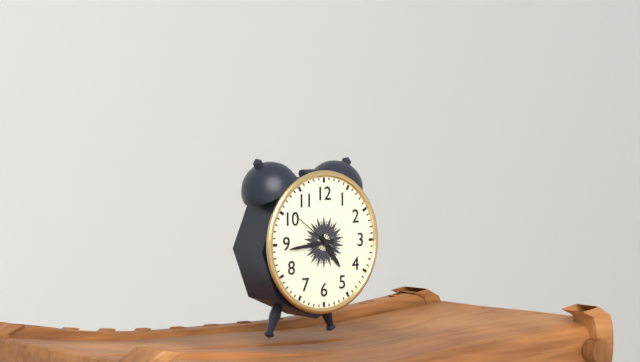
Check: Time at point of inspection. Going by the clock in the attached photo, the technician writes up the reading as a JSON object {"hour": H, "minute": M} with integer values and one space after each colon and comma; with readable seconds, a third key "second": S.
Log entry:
{"hour": 4, "minute": 44, "second": 51}
